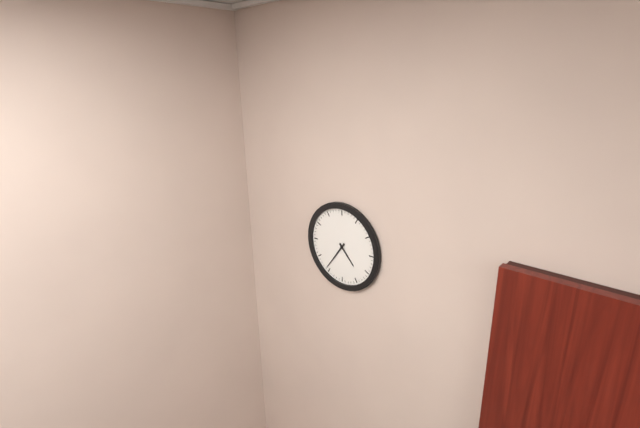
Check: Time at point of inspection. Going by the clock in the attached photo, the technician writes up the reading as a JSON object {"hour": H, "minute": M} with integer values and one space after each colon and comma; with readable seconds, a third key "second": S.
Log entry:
{"hour": 4, "minute": 36}
